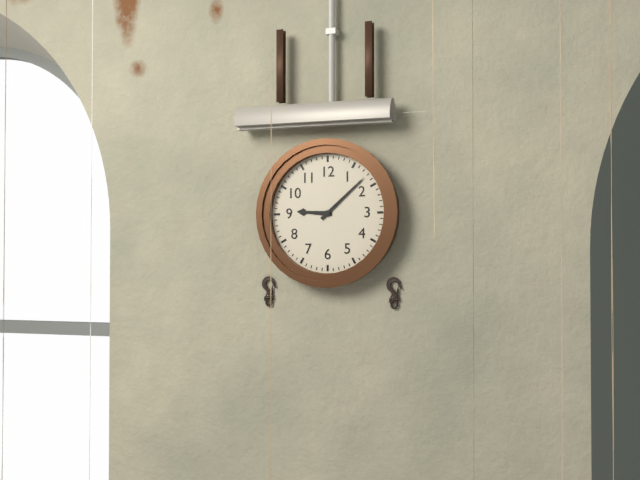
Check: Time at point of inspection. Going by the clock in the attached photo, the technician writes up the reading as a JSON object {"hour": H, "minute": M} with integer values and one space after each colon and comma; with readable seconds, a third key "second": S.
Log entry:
{"hour": 9, "minute": 8}
